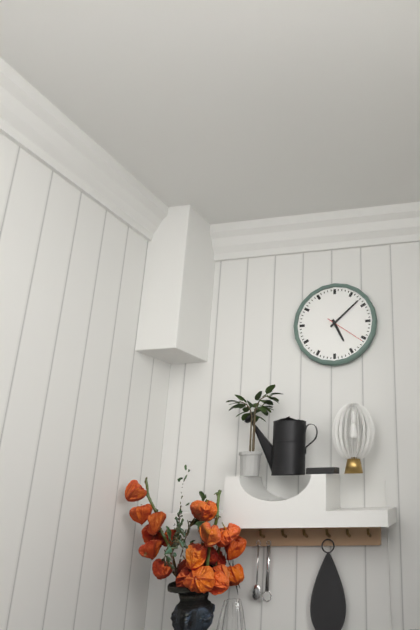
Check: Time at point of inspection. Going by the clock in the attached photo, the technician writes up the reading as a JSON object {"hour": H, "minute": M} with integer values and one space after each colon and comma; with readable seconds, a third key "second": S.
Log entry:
{"hour": 5, "minute": 8}
